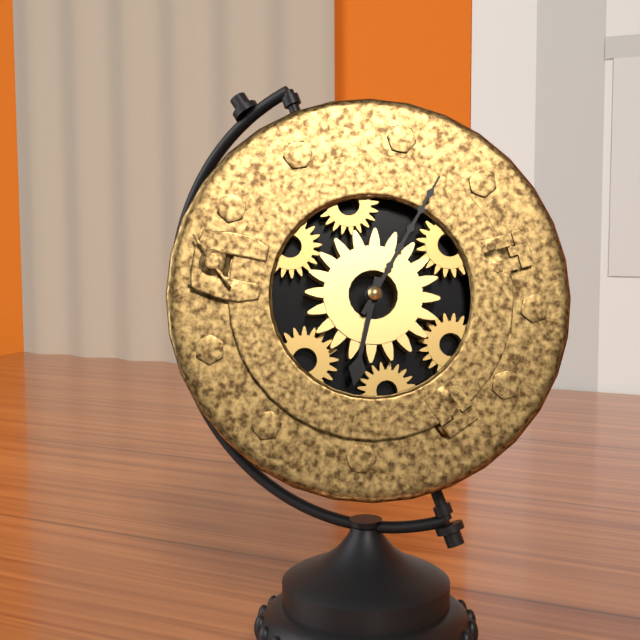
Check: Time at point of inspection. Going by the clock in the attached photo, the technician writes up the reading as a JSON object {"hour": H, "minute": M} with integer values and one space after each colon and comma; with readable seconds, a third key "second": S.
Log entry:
{"hour": 6, "minute": 3}
